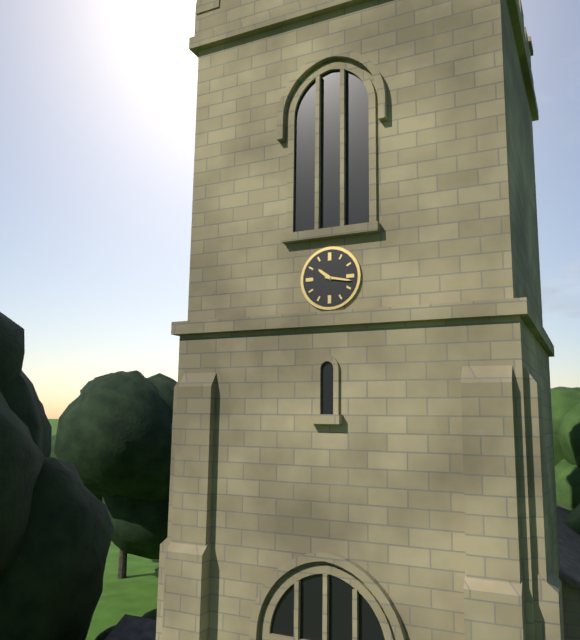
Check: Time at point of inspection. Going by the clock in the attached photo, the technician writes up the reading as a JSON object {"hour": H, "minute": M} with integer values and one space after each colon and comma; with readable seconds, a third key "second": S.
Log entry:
{"hour": 10, "minute": 17}
